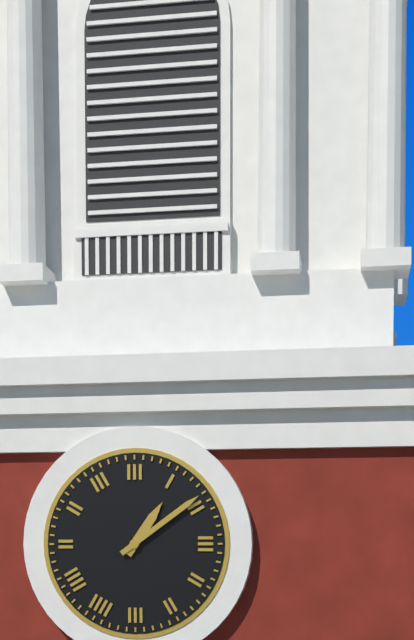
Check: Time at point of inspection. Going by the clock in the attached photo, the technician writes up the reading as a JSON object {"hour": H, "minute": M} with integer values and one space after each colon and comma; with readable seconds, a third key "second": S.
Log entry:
{"hour": 1, "minute": 9}
